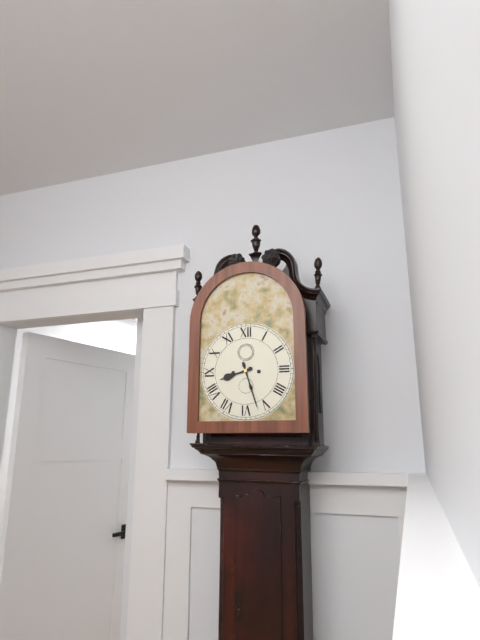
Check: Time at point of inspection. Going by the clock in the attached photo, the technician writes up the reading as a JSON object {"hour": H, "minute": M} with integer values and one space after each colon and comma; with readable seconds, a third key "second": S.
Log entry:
{"hour": 8, "minute": 27}
